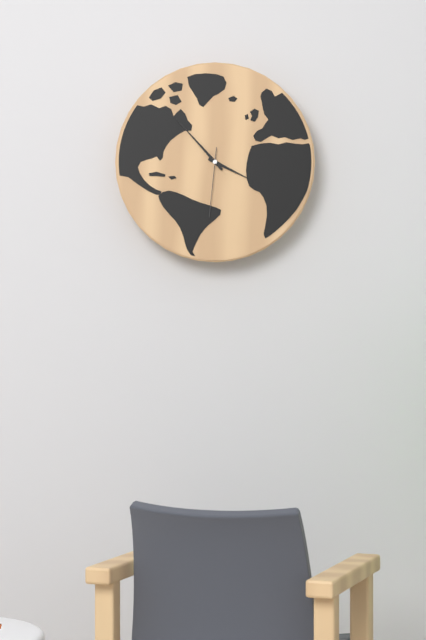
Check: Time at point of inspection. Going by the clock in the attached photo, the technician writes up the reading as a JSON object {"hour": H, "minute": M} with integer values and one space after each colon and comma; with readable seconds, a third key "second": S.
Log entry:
{"hour": 3, "minute": 53, "second": 31}
